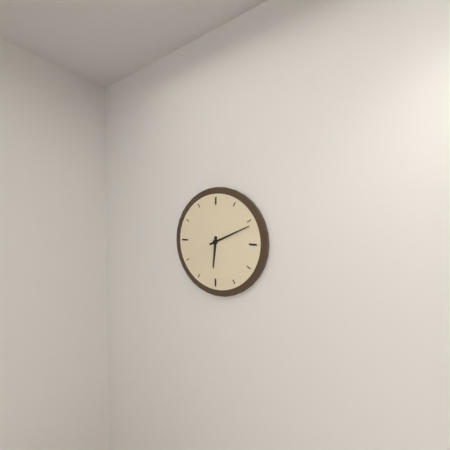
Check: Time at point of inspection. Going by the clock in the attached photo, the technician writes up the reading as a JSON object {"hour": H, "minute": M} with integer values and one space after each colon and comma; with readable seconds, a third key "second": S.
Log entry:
{"hour": 6, "minute": 11}
